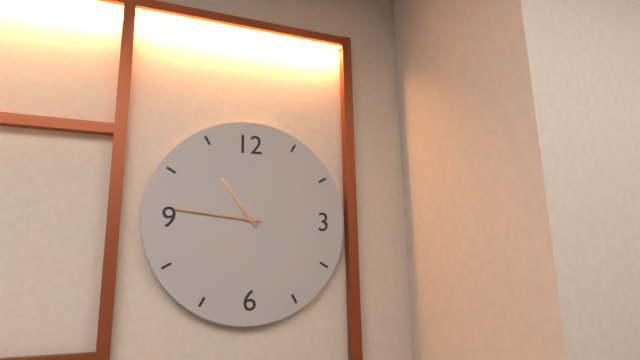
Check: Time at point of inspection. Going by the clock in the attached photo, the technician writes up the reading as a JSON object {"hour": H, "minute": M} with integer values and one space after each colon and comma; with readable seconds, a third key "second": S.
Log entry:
{"hour": 10, "minute": 46}
